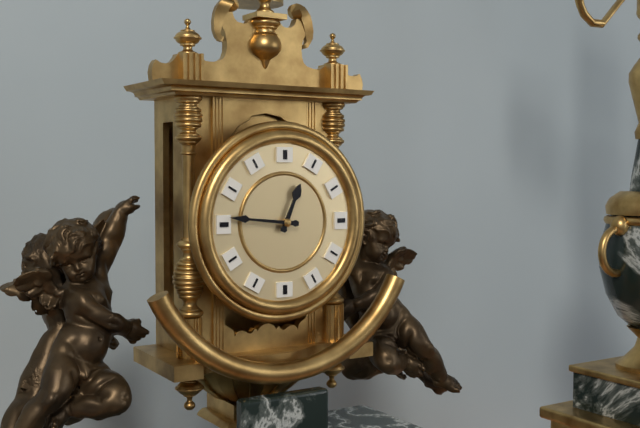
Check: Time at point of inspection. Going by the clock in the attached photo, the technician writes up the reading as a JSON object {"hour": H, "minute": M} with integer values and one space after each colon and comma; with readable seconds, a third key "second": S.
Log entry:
{"hour": 12, "minute": 46}
